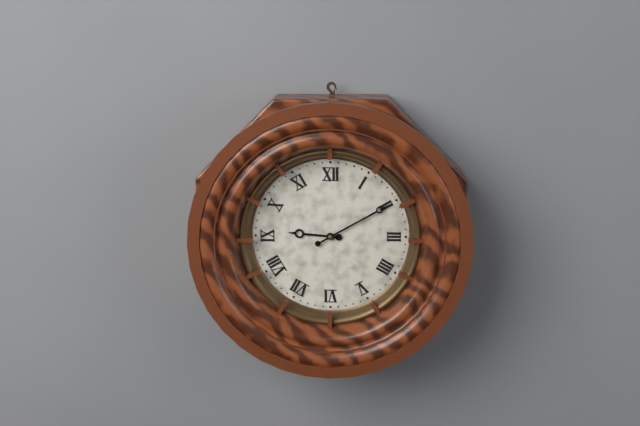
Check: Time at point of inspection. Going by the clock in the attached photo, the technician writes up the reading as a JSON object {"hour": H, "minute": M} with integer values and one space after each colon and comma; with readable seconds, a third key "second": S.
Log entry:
{"hour": 9, "minute": 10}
